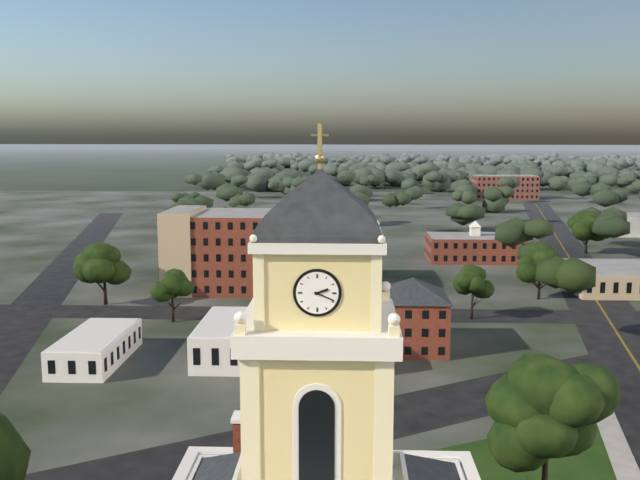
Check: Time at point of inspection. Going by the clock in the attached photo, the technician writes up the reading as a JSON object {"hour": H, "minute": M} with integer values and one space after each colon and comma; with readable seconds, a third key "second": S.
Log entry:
{"hour": 2, "minute": 19}
